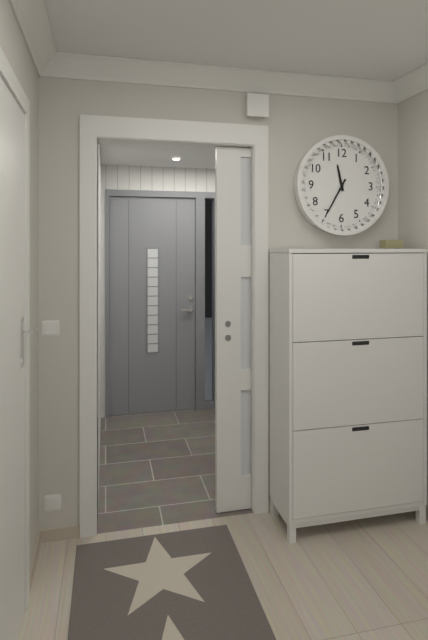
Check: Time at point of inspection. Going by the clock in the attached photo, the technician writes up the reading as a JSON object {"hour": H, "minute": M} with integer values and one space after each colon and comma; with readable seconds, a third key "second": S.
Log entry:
{"hour": 11, "minute": 35}
